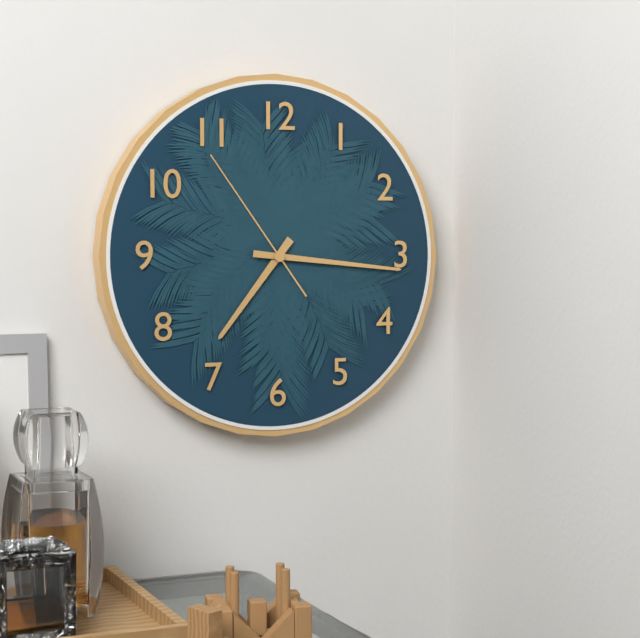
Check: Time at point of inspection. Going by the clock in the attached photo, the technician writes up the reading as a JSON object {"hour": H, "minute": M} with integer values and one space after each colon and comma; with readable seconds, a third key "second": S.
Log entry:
{"hour": 7, "minute": 16, "second": 54}
